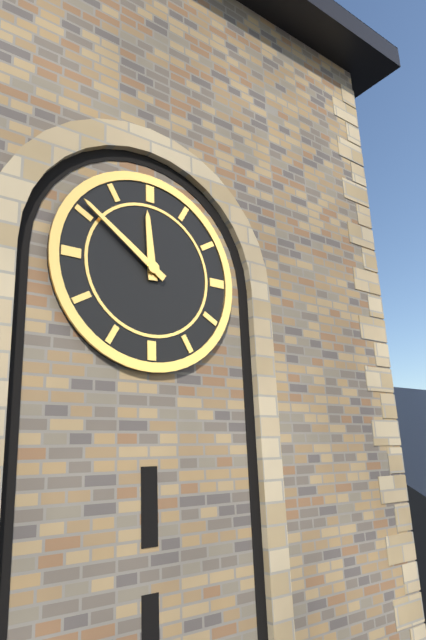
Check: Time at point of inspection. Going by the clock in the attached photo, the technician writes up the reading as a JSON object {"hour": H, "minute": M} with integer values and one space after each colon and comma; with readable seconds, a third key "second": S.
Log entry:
{"hour": 11, "minute": 51}
